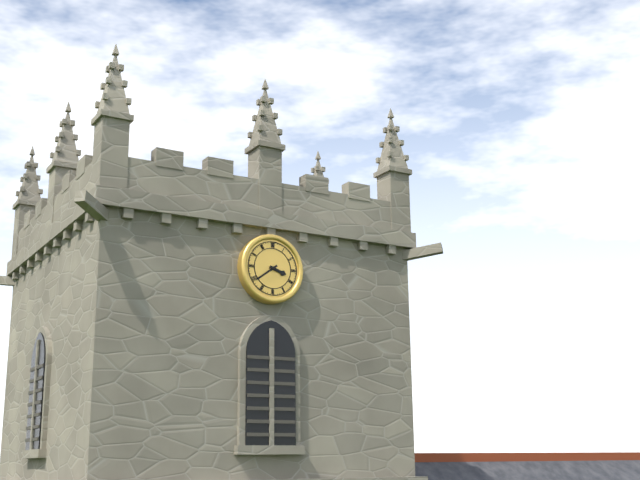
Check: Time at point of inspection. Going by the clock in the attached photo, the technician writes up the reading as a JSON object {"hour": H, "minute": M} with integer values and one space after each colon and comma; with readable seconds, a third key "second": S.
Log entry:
{"hour": 3, "minute": 39}
